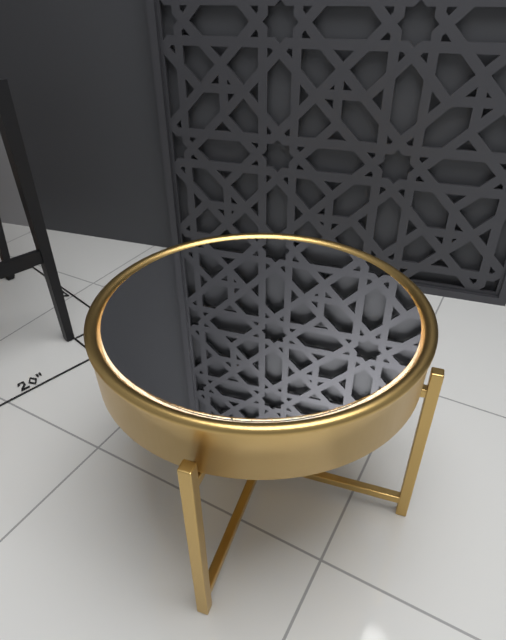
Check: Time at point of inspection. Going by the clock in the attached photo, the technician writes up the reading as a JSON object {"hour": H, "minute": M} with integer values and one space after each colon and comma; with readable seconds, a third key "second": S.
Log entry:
{"hour": 4, "minute": 35}
